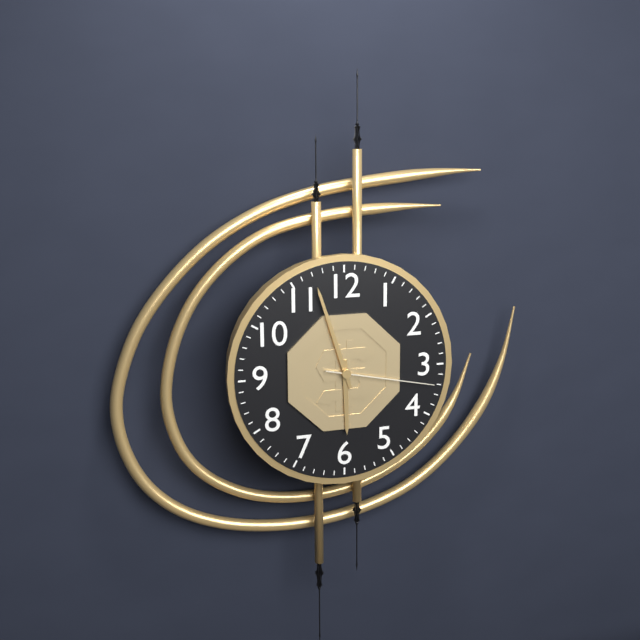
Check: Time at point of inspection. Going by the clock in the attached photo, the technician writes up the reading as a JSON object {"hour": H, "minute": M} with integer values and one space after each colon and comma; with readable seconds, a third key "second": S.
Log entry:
{"hour": 5, "minute": 57, "second": 17}
